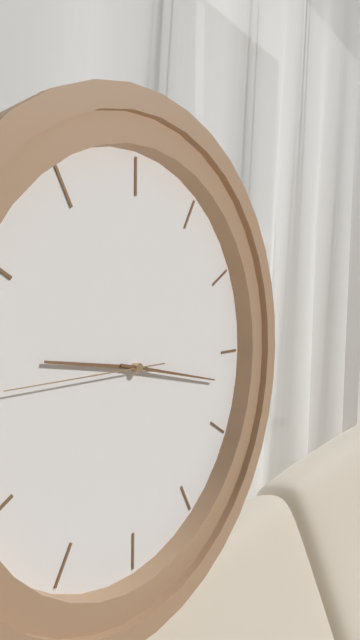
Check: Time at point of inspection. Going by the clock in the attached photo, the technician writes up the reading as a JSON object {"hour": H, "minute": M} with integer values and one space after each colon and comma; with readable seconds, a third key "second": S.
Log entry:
{"hour": 9, "minute": 17, "second": 45}
